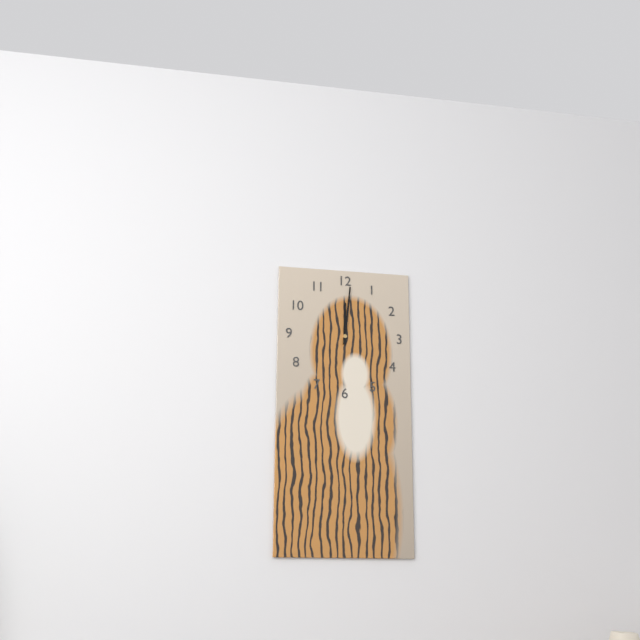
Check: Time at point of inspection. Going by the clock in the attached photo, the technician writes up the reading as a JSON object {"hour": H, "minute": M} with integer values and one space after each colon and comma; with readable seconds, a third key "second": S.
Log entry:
{"hour": 12, "minute": 1}
